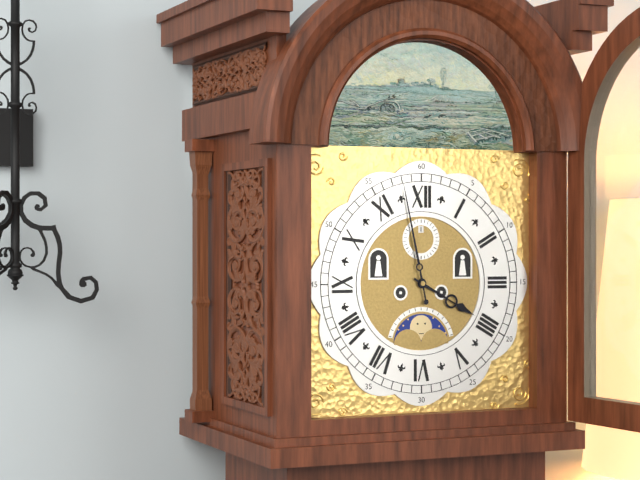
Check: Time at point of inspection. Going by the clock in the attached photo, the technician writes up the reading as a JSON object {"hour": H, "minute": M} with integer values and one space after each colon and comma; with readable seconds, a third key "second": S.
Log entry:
{"hour": 3, "minute": 58}
